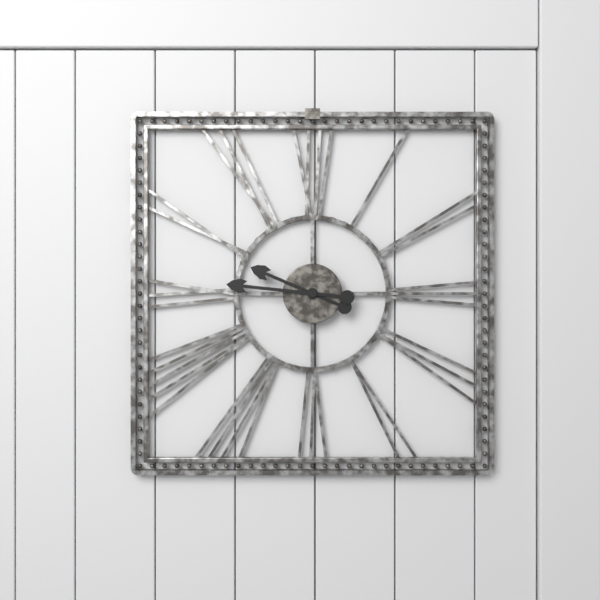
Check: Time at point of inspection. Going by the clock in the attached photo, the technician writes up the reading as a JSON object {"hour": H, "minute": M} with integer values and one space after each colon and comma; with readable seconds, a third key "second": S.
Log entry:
{"hour": 9, "minute": 46}
